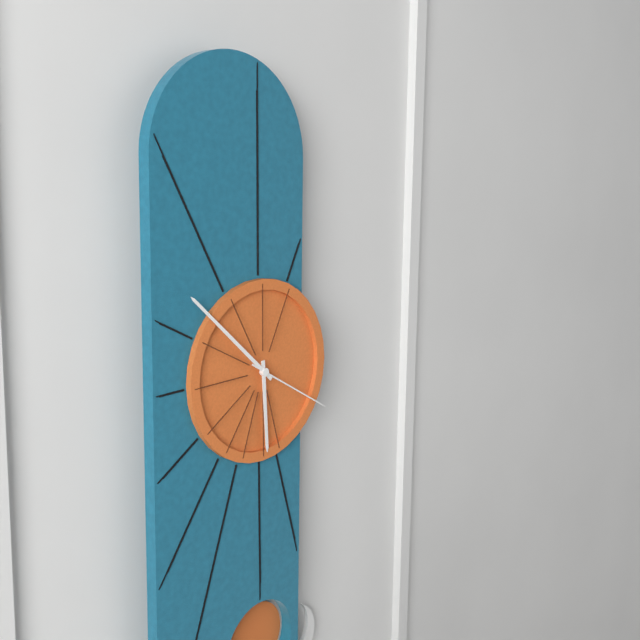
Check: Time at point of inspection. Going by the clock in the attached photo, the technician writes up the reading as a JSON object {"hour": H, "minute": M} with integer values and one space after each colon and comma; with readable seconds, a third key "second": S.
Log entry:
{"hour": 5, "minute": 52, "second": 20}
